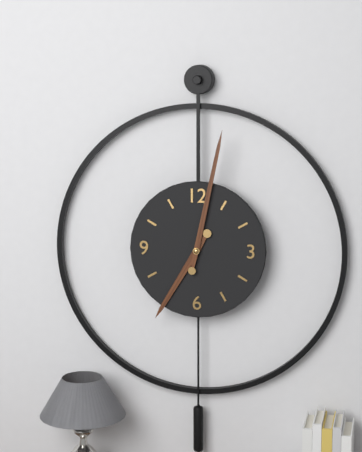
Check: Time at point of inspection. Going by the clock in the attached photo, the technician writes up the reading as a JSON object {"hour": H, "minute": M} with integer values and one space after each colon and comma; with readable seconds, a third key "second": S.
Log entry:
{"hour": 7, "minute": 2}
